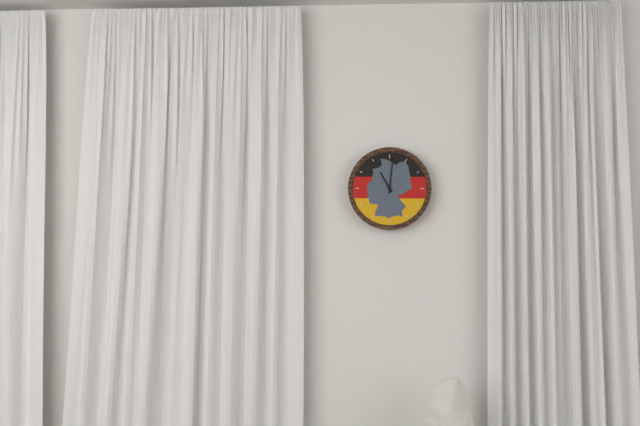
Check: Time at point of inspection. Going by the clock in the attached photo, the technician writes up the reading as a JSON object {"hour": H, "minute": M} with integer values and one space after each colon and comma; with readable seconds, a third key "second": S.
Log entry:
{"hour": 11, "minute": 1}
